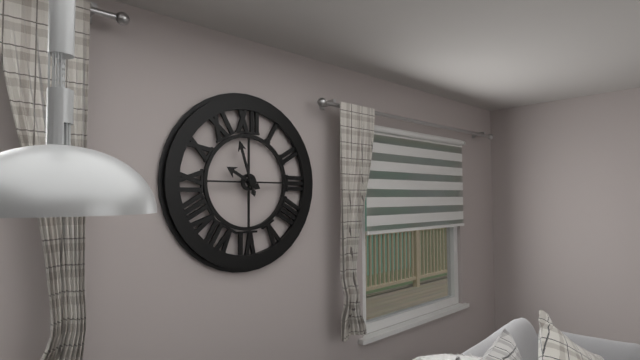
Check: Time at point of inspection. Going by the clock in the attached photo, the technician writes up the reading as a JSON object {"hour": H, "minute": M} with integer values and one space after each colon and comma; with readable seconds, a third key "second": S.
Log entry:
{"hour": 9, "minute": 57}
